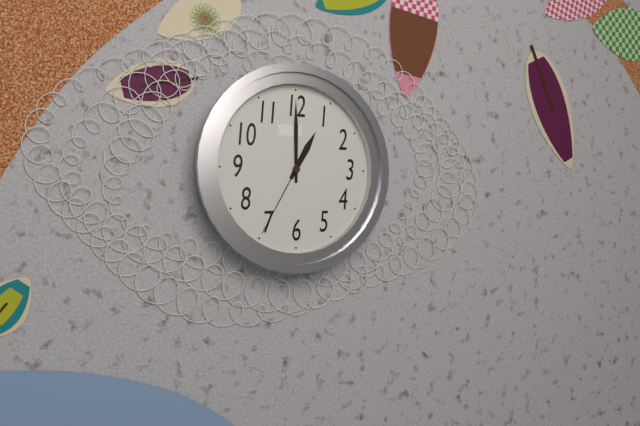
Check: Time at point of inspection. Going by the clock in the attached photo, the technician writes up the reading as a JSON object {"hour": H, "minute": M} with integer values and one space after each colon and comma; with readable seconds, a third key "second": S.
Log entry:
{"hour": 1, "minute": 0, "second": 35}
